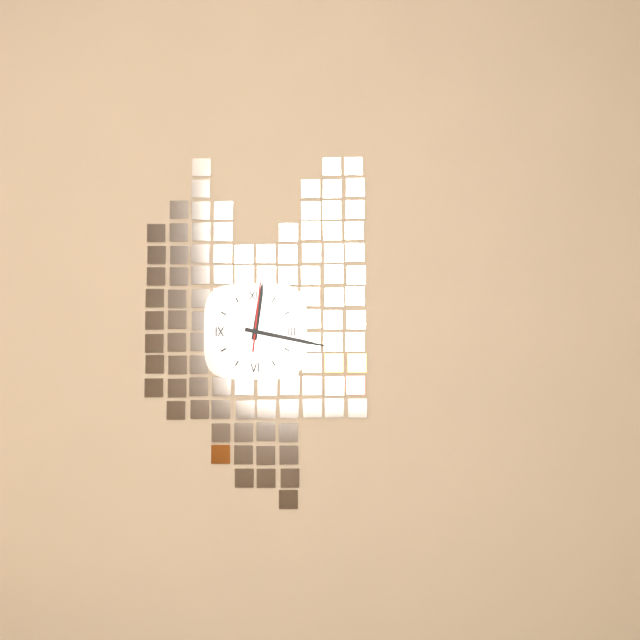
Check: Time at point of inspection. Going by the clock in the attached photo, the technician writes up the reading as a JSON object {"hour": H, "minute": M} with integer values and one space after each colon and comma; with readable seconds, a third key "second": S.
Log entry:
{"hour": 12, "minute": 17, "second": 1}
